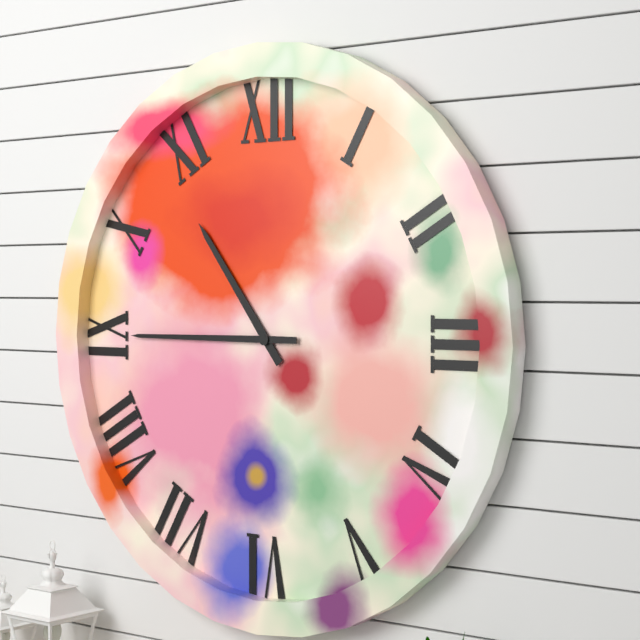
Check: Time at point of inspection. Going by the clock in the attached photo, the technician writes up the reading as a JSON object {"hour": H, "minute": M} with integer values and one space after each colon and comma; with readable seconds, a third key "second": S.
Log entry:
{"hour": 10, "minute": 45}
